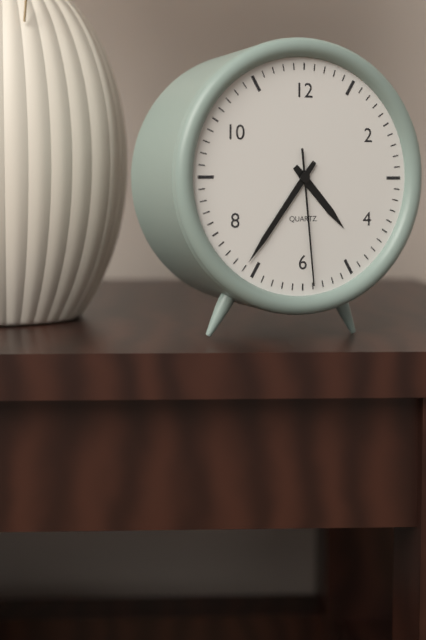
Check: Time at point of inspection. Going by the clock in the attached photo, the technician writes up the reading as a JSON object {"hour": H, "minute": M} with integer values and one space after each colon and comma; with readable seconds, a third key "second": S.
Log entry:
{"hour": 4, "minute": 36, "second": 29}
